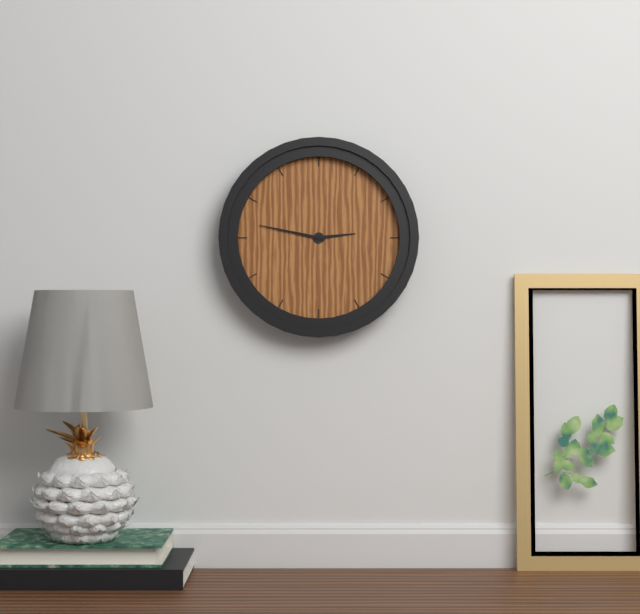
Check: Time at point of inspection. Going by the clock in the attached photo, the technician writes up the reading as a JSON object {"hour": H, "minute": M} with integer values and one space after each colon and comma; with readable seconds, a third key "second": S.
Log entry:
{"hour": 2, "minute": 47}
